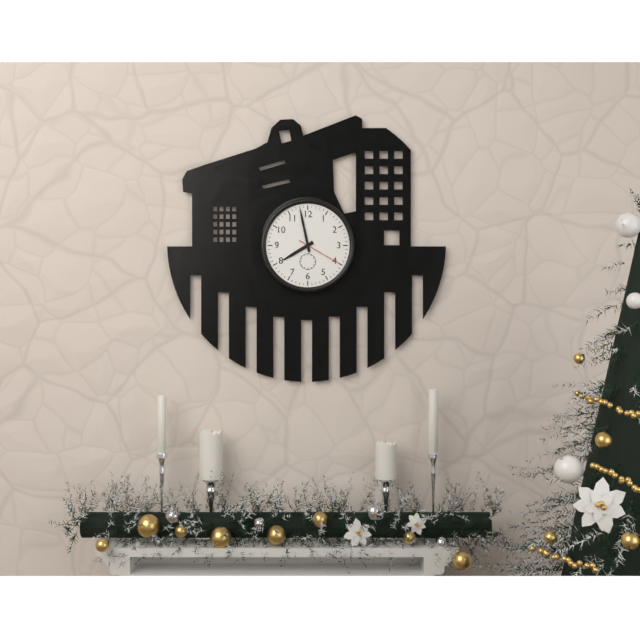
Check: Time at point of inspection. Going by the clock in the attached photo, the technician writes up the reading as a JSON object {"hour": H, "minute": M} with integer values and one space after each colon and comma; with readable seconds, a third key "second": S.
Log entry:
{"hour": 7, "minute": 58}
